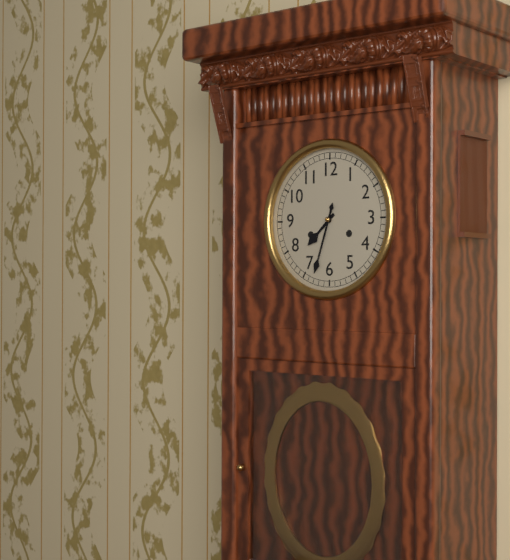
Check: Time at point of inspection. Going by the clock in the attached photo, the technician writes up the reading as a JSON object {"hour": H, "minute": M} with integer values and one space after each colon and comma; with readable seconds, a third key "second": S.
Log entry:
{"hour": 7, "minute": 33}
